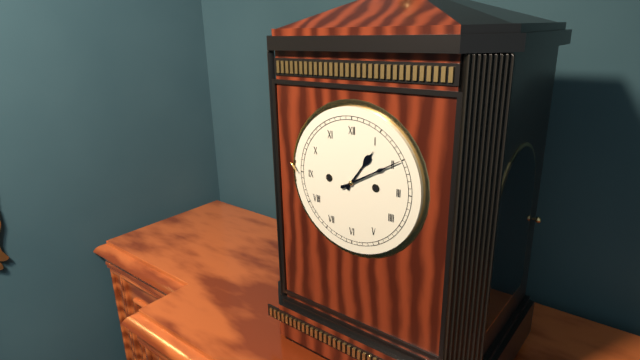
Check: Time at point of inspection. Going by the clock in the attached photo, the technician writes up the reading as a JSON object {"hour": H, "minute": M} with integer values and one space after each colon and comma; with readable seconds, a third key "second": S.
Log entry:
{"hour": 1, "minute": 10}
